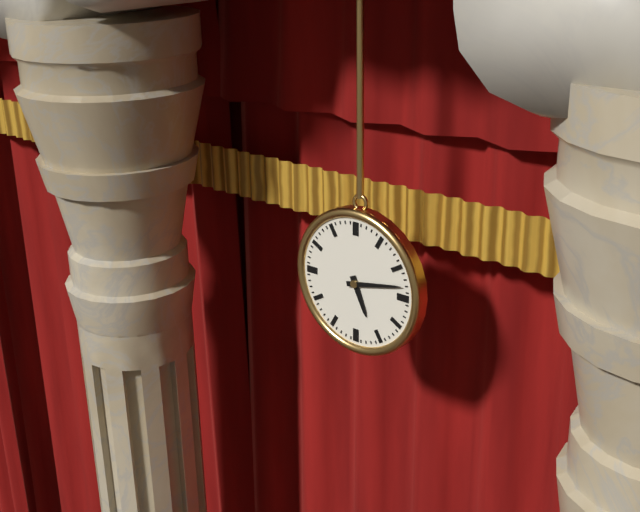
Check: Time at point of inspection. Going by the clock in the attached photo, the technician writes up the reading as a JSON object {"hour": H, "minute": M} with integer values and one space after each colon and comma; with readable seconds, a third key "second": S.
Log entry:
{"hour": 5, "minute": 13}
